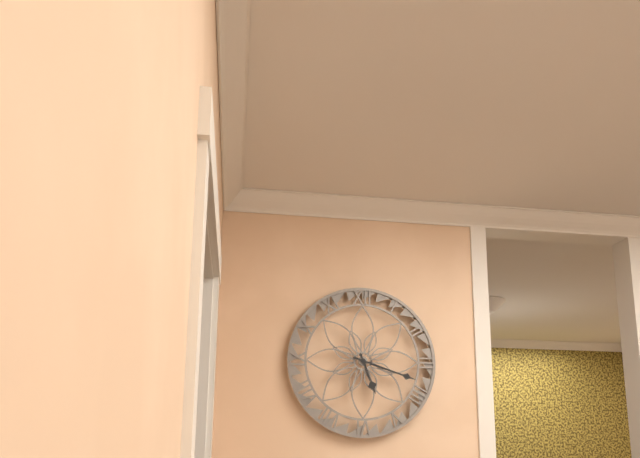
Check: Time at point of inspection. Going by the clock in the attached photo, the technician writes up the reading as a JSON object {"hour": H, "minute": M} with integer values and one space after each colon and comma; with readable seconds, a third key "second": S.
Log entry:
{"hour": 5, "minute": 18}
